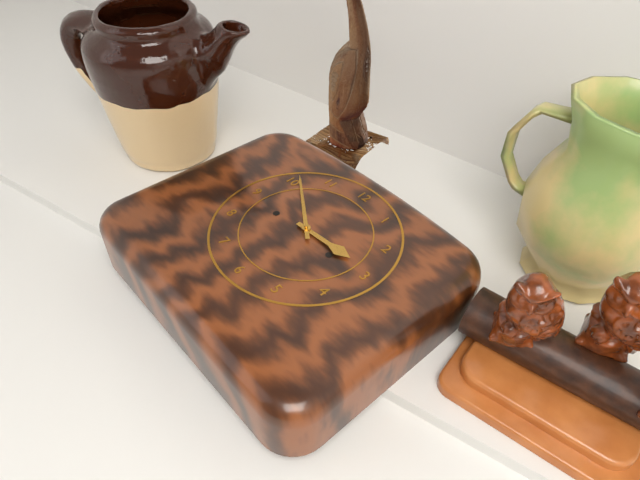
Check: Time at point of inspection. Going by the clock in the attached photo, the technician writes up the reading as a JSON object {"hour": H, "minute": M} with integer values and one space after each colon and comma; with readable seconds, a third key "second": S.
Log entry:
{"hour": 2, "minute": 51}
